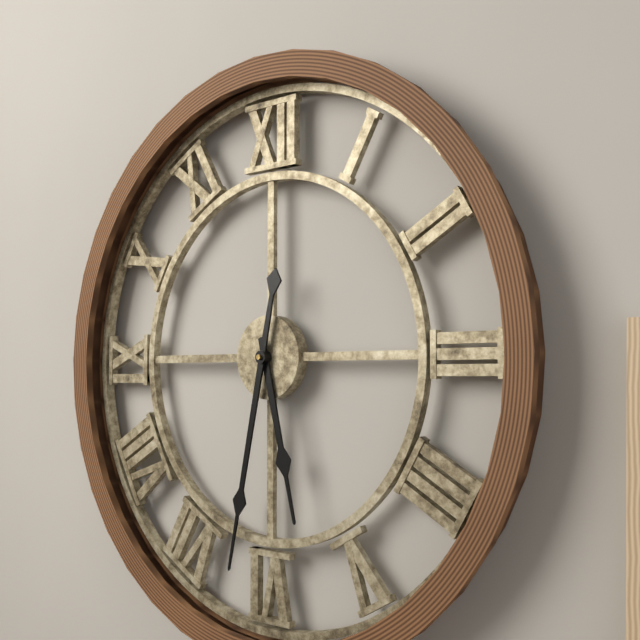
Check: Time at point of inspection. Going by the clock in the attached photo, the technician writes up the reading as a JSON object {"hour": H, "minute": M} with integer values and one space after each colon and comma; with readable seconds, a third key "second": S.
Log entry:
{"hour": 5, "minute": 32}
